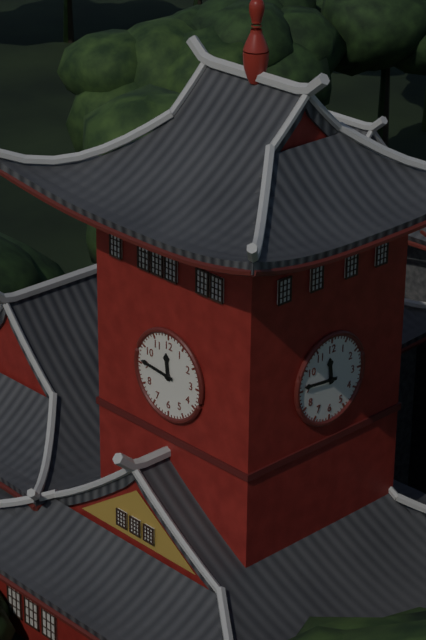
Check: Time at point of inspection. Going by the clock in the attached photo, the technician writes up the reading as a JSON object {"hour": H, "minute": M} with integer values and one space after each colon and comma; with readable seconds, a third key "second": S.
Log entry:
{"hour": 11, "minute": 46}
